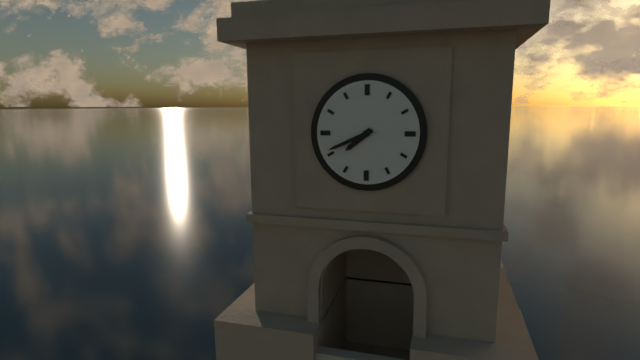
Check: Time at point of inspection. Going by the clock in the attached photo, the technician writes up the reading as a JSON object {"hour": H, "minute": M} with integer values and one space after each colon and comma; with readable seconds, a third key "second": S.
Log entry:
{"hour": 7, "minute": 41}
